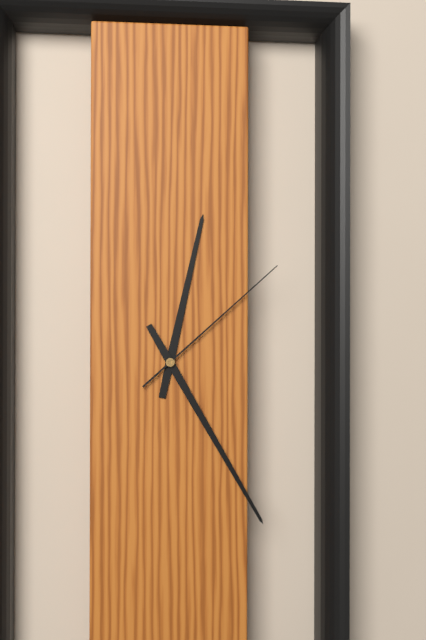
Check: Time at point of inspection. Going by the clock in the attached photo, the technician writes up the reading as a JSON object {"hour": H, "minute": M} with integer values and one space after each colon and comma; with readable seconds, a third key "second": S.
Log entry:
{"hour": 12, "minute": 25, "second": 8}
